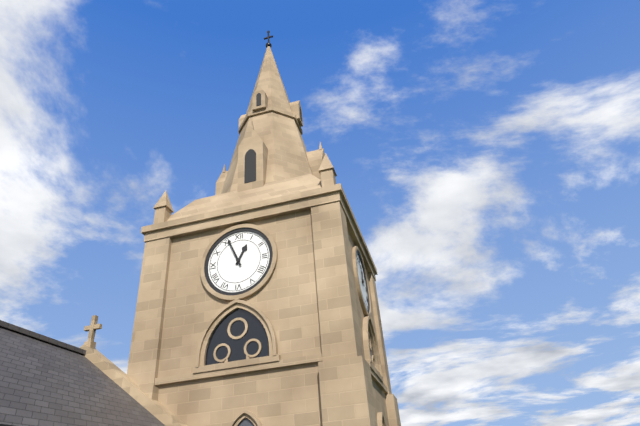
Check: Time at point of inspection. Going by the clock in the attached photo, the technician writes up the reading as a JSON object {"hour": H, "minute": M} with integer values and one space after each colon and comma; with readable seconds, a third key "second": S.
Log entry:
{"hour": 12, "minute": 56}
